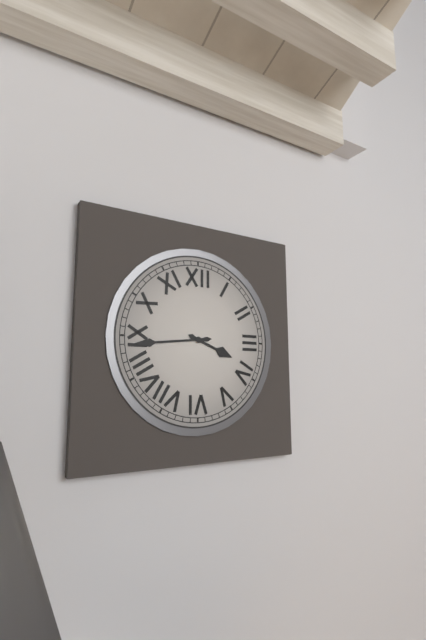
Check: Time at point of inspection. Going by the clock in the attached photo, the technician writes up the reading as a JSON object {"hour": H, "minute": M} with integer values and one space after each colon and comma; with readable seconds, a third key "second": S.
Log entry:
{"hour": 3, "minute": 44}
